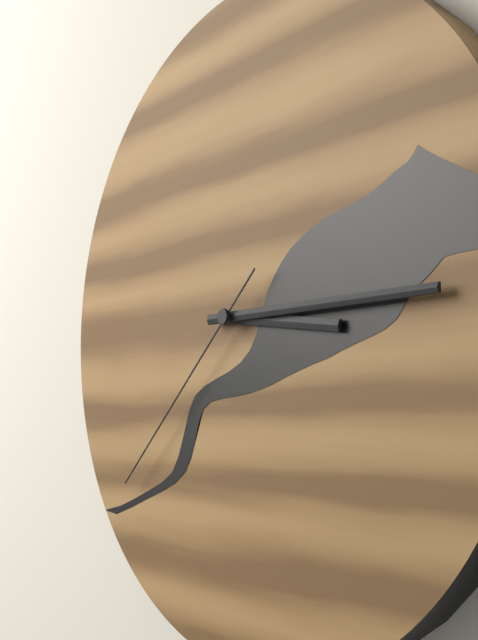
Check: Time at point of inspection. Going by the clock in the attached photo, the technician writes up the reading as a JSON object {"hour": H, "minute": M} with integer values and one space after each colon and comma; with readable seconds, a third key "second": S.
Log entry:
{"hour": 3, "minute": 15, "second": 38}
